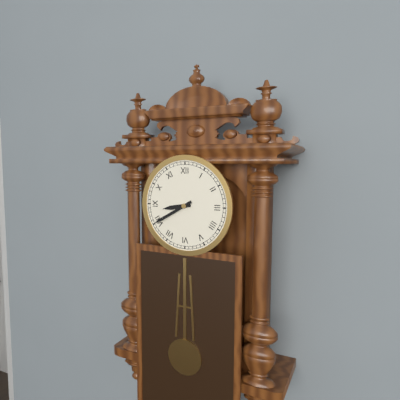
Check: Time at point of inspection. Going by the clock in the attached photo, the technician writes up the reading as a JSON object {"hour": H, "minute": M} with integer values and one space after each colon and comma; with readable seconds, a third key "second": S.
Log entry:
{"hour": 8, "minute": 40}
